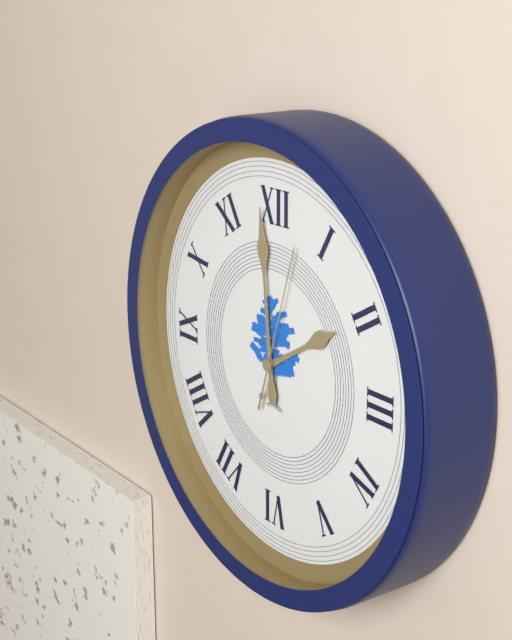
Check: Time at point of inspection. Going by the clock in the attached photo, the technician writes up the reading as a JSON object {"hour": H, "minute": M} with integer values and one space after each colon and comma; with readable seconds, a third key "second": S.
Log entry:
{"hour": 1, "minute": 59, "second": 3}
